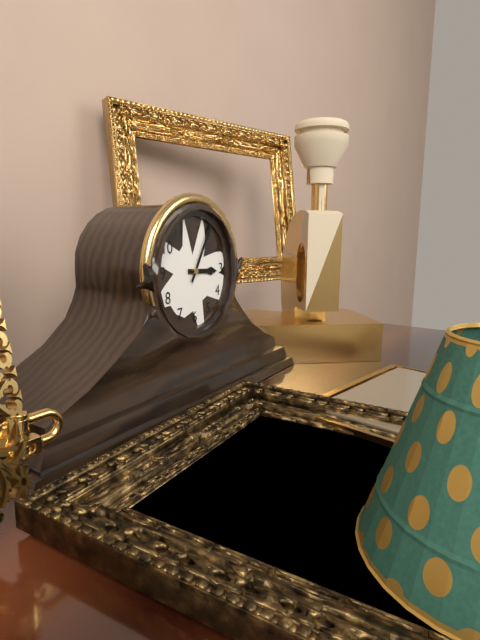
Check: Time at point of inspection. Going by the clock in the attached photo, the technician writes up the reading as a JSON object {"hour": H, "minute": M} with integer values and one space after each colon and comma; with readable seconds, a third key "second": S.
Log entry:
{"hour": 3, "minute": 5}
